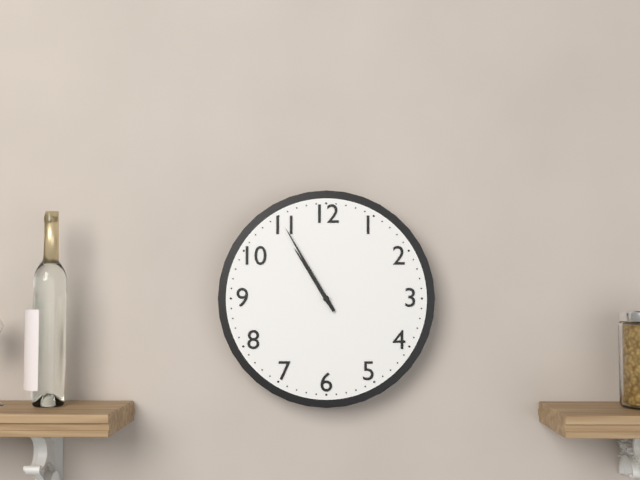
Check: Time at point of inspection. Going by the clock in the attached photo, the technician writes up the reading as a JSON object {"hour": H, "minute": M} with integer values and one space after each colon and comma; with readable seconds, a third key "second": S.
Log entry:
{"hour": 10, "minute": 55}
